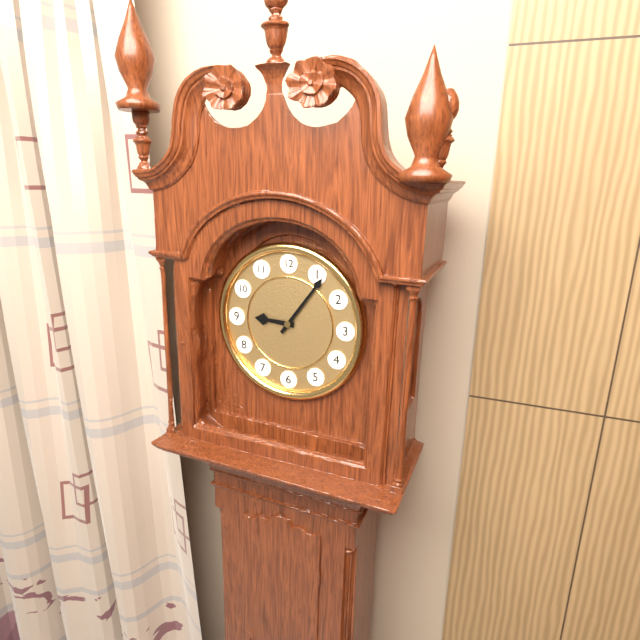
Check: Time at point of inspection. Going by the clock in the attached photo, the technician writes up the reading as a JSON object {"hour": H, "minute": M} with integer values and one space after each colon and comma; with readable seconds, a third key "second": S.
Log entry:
{"hour": 9, "minute": 6}
